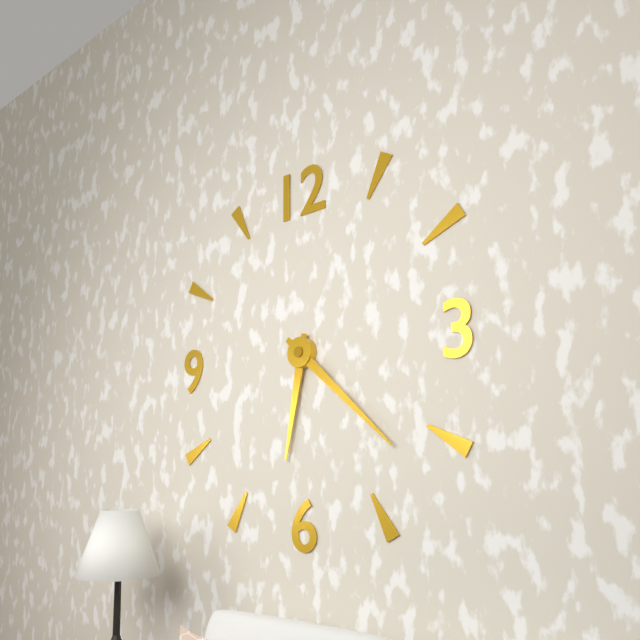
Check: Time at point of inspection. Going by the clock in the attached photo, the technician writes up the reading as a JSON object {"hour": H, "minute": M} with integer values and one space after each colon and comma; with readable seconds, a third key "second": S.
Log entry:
{"hour": 6, "minute": 22}
